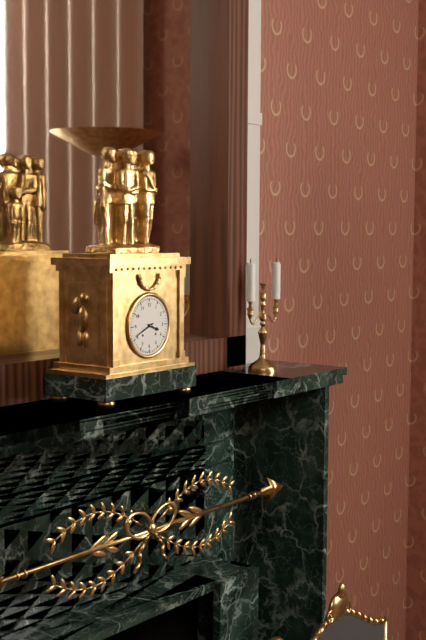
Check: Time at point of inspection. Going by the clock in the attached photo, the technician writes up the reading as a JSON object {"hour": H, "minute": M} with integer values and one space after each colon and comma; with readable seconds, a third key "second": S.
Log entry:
{"hour": 3, "minute": 41}
